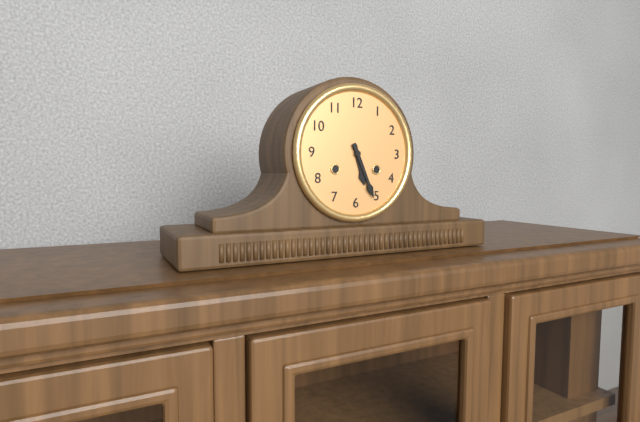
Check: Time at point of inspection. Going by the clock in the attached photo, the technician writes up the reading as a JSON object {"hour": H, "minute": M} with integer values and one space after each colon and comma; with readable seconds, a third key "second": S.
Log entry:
{"hour": 5, "minute": 26}
